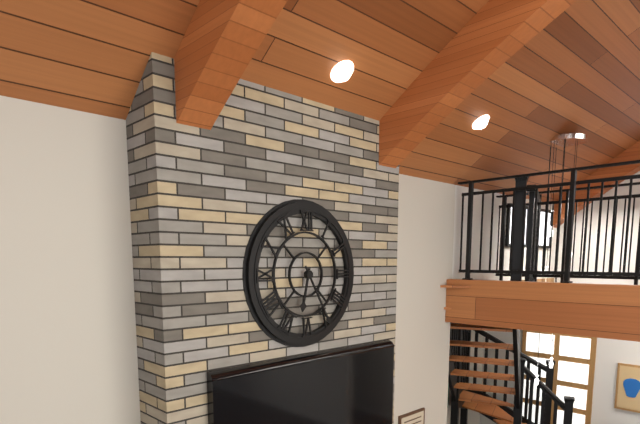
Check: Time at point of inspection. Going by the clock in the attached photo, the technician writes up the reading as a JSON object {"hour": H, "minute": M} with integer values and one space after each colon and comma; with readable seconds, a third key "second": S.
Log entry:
{"hour": 6, "minute": 25}
